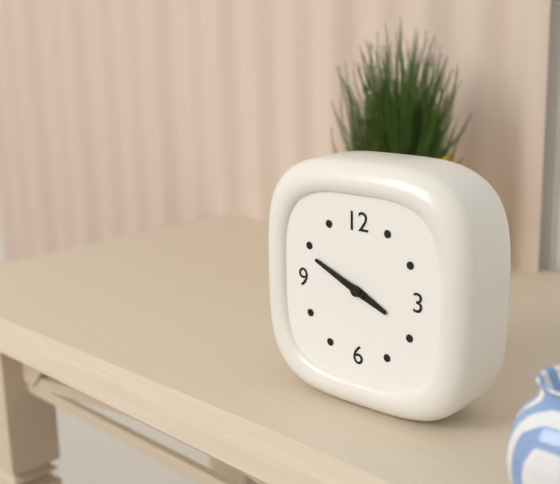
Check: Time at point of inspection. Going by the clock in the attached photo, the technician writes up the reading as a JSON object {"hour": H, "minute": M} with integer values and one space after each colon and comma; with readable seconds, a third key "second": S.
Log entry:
{"hour": 3, "minute": 49}
